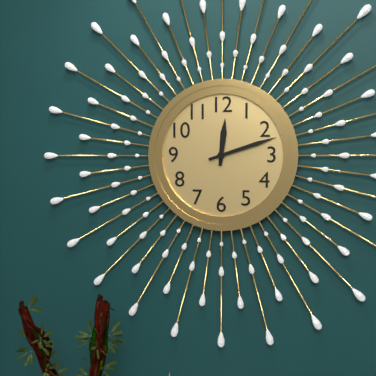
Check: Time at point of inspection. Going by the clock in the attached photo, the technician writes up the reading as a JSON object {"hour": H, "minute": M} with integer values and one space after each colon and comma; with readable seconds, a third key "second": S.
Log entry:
{"hour": 12, "minute": 12}
